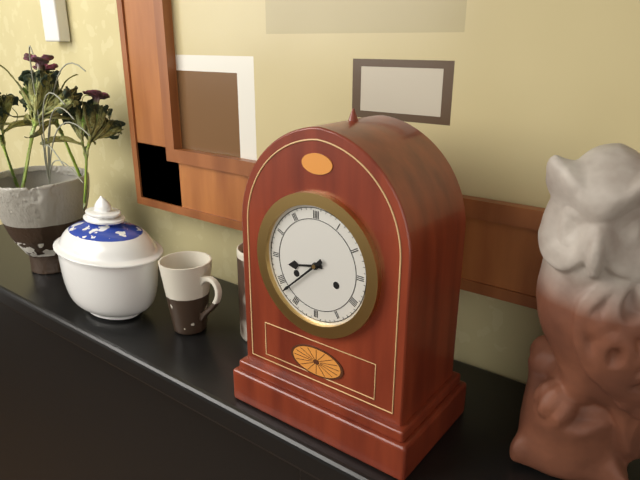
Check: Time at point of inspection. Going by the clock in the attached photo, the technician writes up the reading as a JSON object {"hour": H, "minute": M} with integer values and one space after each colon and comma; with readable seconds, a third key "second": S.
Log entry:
{"hour": 8, "minute": 38}
